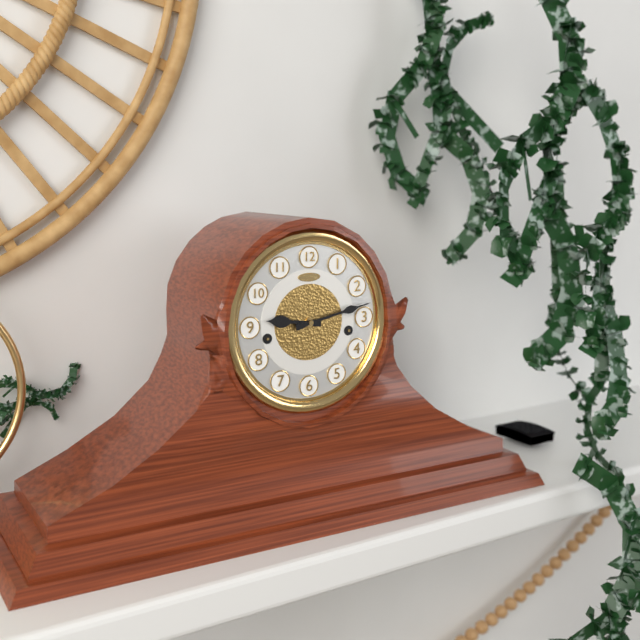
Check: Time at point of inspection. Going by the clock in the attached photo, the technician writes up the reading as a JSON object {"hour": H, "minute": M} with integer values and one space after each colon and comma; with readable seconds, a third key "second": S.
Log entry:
{"hour": 9, "minute": 13}
